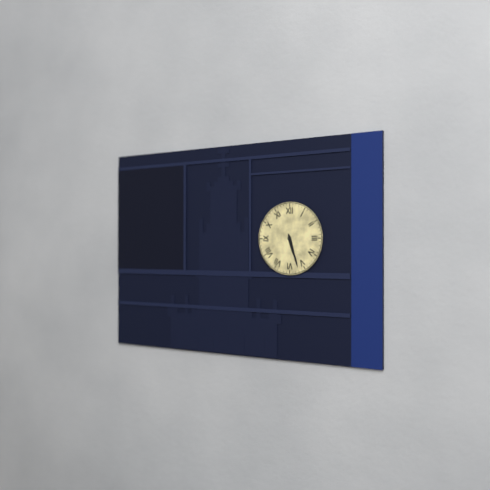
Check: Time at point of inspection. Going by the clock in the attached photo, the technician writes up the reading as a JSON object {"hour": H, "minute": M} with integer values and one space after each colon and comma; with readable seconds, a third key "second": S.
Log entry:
{"hour": 5, "minute": 27}
